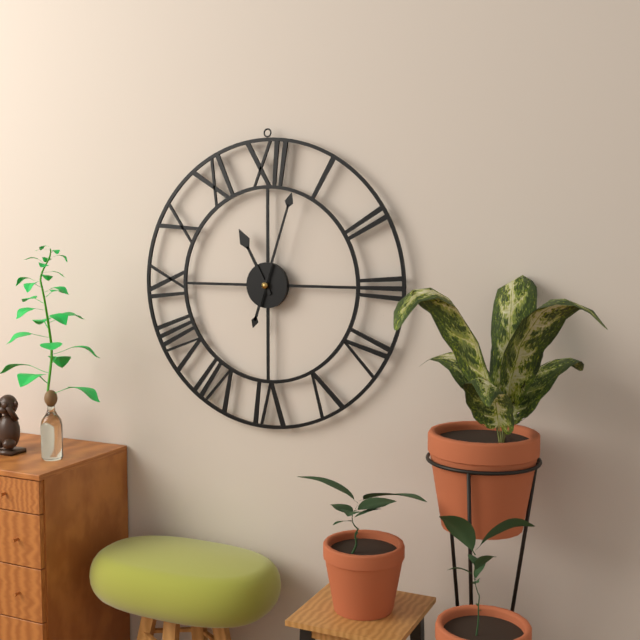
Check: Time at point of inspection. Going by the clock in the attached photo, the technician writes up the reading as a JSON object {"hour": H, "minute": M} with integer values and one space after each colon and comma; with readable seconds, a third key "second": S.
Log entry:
{"hour": 11, "minute": 3}
